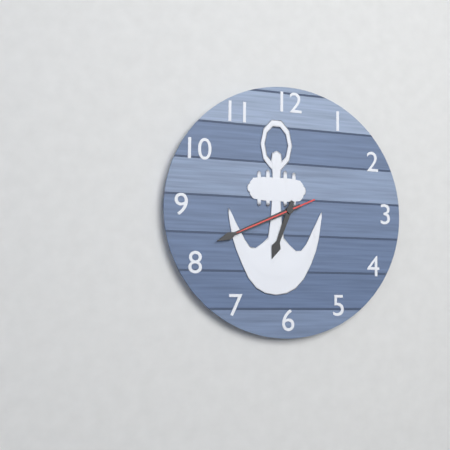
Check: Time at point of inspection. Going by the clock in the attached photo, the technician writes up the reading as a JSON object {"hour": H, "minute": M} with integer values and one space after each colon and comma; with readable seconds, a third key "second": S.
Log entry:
{"hour": 6, "minute": 41, "second": 41}
